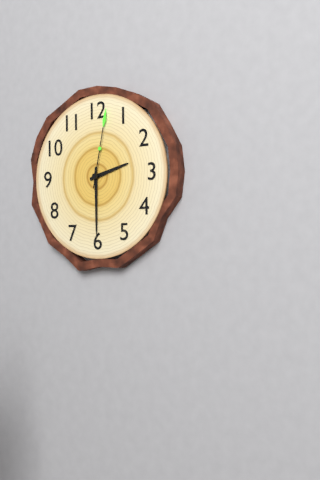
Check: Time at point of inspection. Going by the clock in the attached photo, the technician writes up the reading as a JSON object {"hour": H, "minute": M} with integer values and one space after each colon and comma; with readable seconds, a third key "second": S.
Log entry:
{"hour": 2, "minute": 30, "second": 2}
